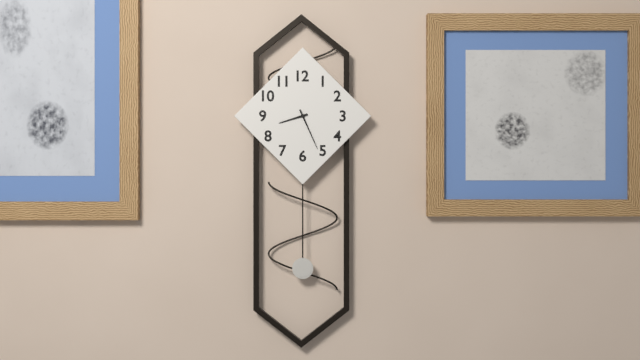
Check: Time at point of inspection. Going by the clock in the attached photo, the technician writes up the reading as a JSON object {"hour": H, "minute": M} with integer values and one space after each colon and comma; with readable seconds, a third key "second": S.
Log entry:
{"hour": 8, "minute": 26}
